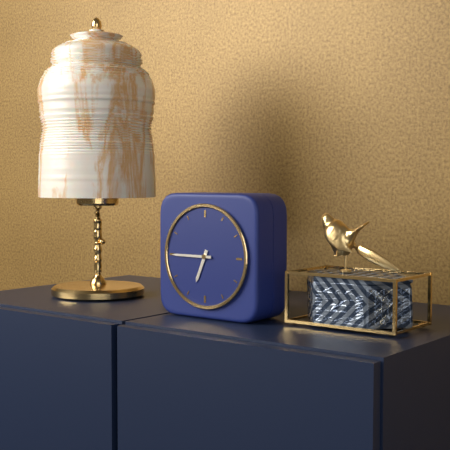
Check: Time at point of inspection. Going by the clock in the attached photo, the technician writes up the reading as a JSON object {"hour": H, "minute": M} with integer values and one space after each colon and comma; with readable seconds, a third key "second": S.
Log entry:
{"hour": 6, "minute": 45}
